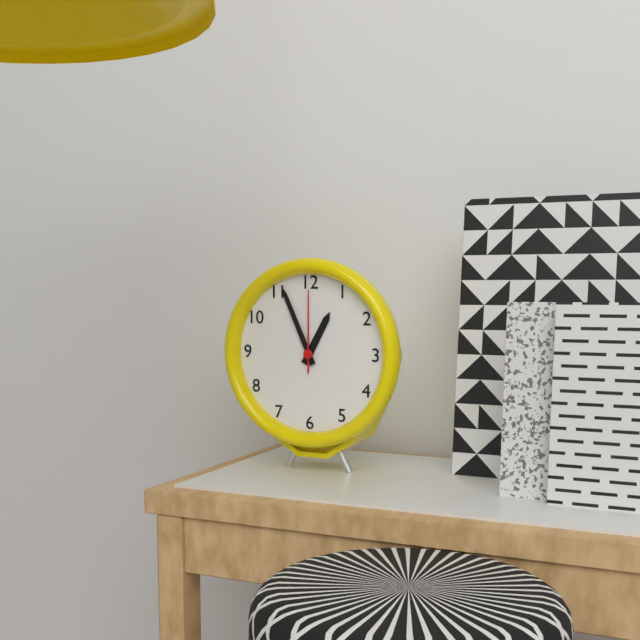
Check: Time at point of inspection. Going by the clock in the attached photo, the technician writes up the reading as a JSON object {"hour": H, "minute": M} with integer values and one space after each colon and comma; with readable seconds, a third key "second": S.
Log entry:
{"hour": 12, "minute": 56, "second": 0}
